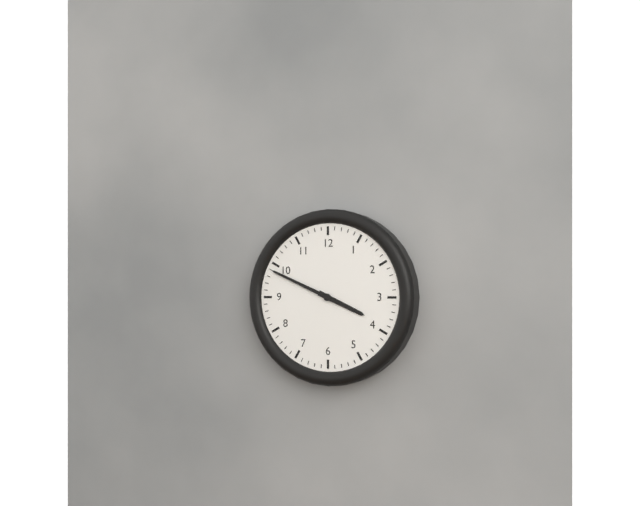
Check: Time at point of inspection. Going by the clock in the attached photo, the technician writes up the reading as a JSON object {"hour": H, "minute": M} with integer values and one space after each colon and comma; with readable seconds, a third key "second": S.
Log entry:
{"hour": 3, "minute": 49}
